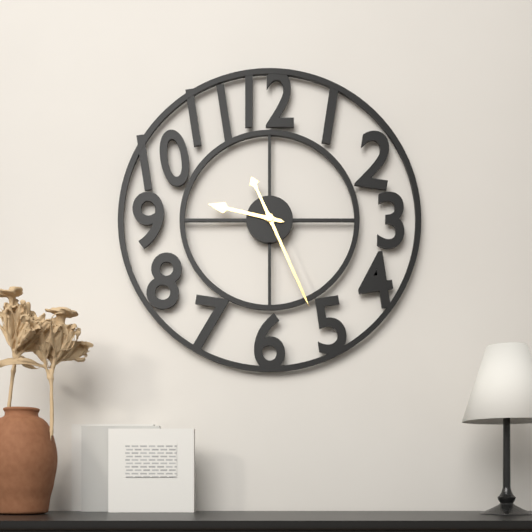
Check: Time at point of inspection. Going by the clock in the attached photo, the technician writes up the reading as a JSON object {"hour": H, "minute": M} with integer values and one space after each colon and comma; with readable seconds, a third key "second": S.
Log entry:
{"hour": 9, "minute": 26}
